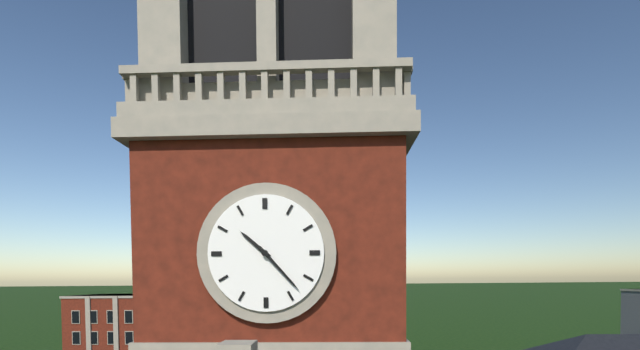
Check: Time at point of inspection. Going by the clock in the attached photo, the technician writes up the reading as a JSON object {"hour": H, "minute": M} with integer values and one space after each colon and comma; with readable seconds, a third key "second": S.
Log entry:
{"hour": 10, "minute": 23}
